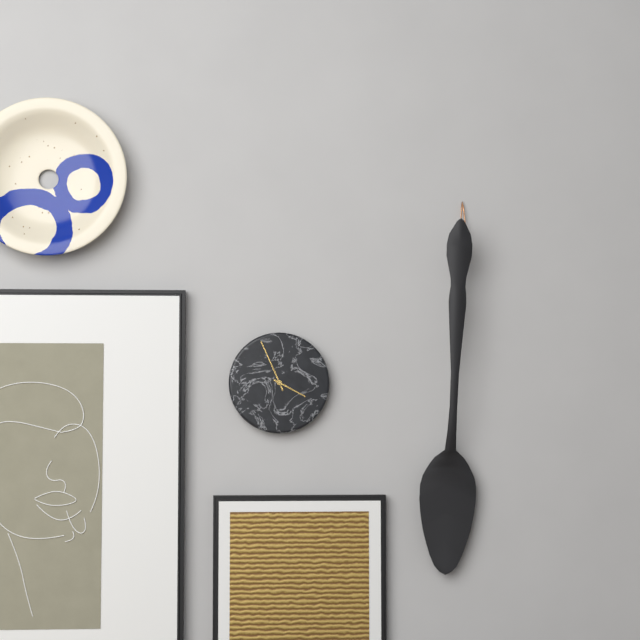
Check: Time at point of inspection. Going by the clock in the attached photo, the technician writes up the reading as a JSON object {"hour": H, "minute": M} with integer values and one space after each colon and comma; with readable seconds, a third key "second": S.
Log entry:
{"hour": 3, "minute": 56}
